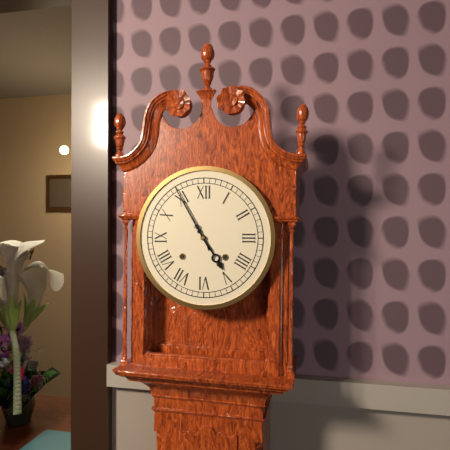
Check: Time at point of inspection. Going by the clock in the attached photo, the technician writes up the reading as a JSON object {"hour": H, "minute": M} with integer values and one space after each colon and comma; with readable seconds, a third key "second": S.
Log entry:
{"hour": 4, "minute": 55}
